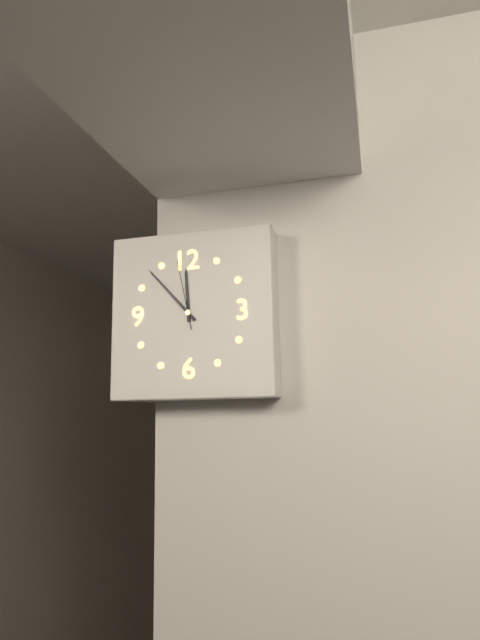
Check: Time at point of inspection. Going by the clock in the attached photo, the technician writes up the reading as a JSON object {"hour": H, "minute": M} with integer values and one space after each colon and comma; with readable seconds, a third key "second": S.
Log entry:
{"hour": 11, "minute": 53, "second": 58}
